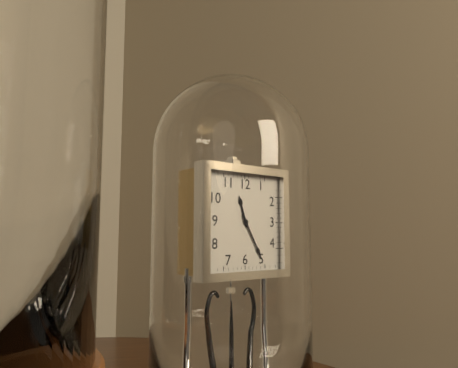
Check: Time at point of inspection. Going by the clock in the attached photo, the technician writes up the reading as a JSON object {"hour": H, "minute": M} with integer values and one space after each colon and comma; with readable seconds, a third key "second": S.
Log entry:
{"hour": 11, "minute": 25}
